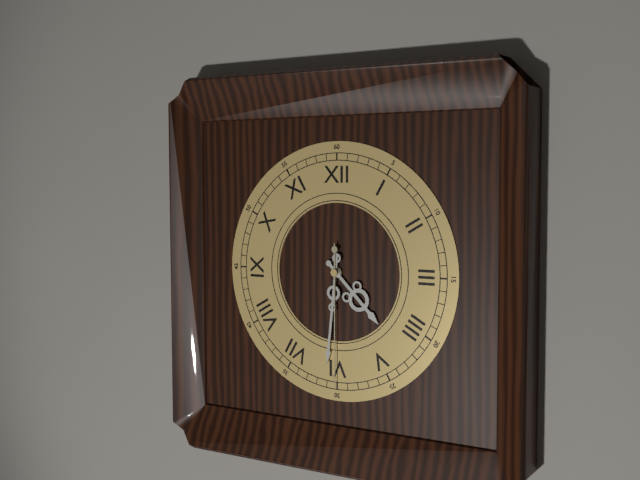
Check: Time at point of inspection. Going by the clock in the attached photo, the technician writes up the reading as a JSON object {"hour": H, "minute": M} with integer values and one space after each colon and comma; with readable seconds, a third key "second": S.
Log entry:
{"hour": 4, "minute": 31, "second": 30}
